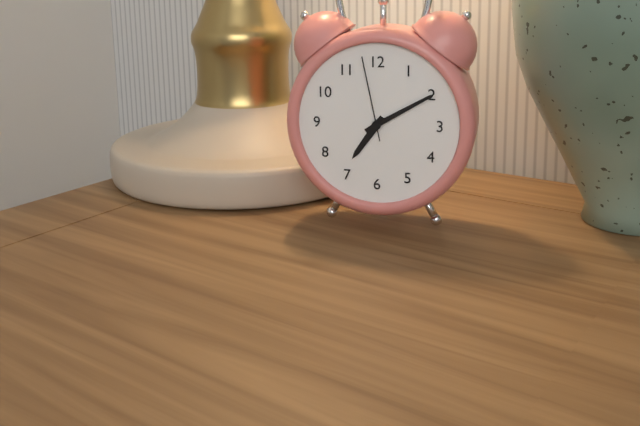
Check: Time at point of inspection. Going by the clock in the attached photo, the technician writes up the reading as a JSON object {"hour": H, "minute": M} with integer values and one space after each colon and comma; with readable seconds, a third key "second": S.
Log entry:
{"hour": 7, "minute": 10, "second": 58}
